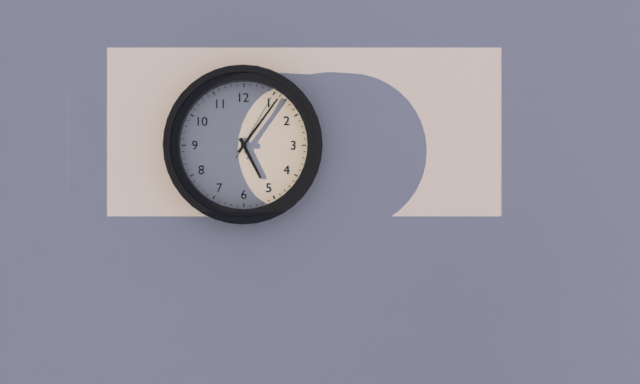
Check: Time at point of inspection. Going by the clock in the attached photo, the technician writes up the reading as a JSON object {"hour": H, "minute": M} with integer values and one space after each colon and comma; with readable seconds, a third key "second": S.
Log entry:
{"hour": 5, "minute": 6, "second": 5}
